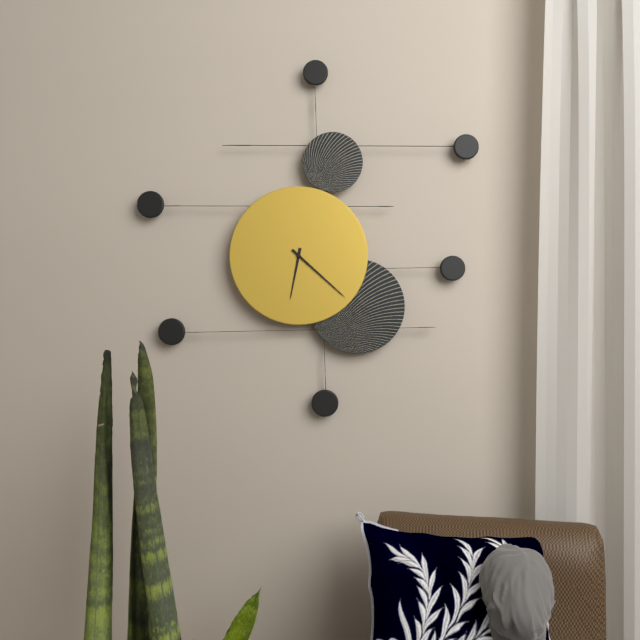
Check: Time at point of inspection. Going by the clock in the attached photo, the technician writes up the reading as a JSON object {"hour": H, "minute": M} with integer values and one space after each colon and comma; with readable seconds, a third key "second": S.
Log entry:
{"hour": 6, "minute": 22}
